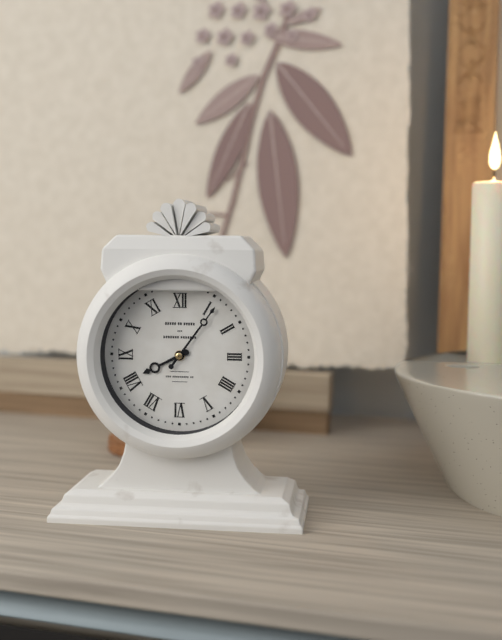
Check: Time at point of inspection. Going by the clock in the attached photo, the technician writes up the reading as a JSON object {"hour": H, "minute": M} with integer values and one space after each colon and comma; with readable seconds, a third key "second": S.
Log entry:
{"hour": 8, "minute": 6}
